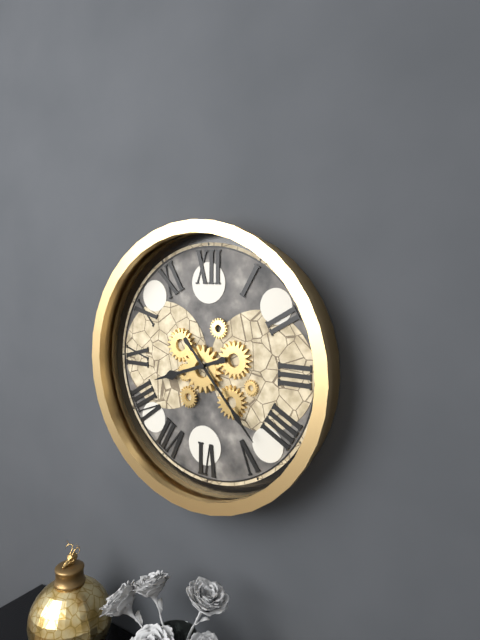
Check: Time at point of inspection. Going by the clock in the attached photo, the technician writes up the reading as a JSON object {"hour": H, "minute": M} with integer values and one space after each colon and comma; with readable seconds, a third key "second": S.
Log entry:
{"hour": 8, "minute": 23}
